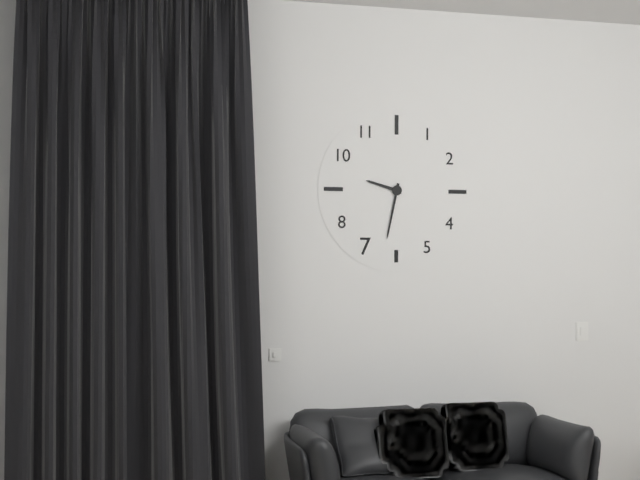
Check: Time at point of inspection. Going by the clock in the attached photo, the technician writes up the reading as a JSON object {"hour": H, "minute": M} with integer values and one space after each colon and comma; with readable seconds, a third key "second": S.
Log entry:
{"hour": 9, "minute": 32}
